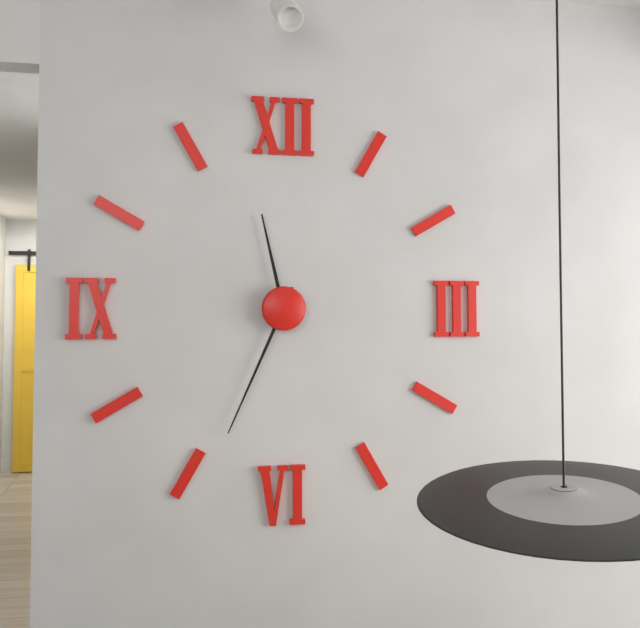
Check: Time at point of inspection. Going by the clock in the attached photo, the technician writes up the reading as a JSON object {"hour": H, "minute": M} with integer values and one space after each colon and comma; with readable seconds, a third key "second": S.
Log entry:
{"hour": 11, "minute": 34}
